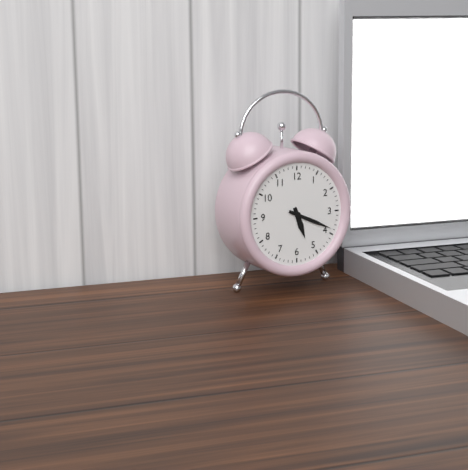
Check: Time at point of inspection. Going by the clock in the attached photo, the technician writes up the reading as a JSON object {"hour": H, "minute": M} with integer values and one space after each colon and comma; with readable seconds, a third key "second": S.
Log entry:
{"hour": 5, "minute": 19}
